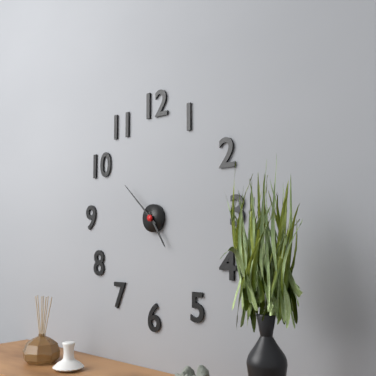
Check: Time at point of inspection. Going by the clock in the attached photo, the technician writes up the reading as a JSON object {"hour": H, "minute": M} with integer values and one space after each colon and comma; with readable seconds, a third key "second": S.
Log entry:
{"hour": 4, "minute": 52}
